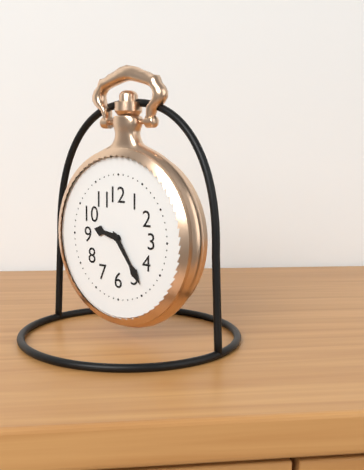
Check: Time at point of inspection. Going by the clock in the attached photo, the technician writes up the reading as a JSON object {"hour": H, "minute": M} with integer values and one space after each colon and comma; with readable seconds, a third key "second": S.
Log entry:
{"hour": 9, "minute": 24}
